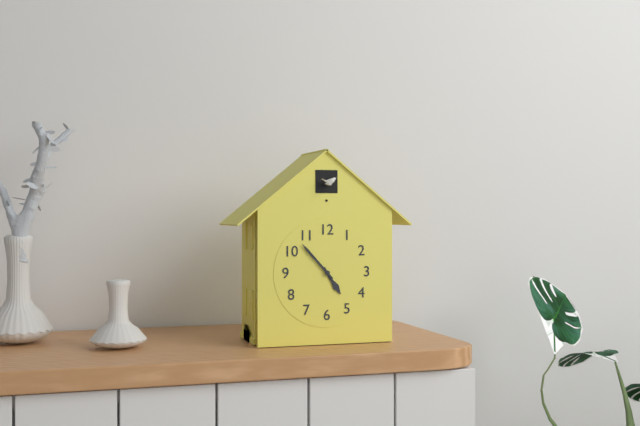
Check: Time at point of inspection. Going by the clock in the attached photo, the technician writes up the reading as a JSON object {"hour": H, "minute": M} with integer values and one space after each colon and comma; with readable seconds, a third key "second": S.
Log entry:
{"hour": 4, "minute": 53}
